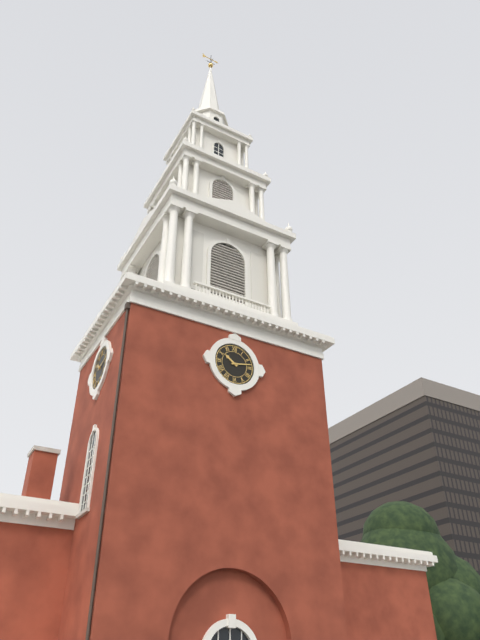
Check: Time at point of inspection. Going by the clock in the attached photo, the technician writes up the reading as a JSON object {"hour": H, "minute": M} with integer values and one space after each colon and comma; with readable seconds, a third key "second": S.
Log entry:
{"hour": 10, "minute": 13}
